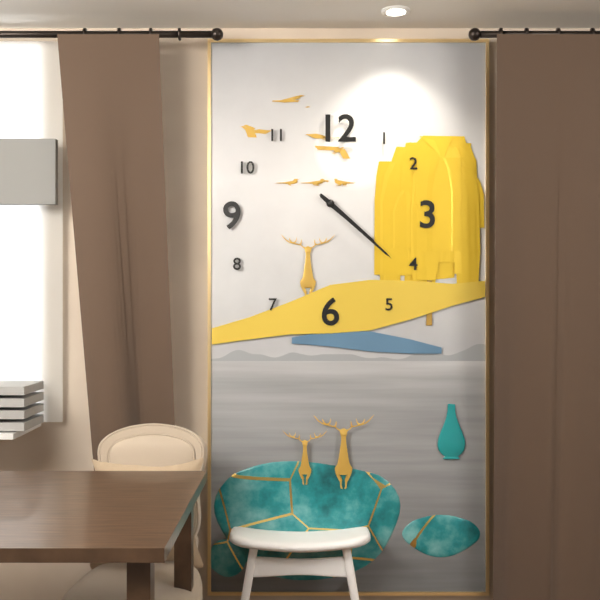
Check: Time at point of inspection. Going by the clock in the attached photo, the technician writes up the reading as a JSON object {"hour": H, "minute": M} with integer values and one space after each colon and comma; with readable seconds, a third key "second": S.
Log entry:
{"hour": 4, "minute": 22}
